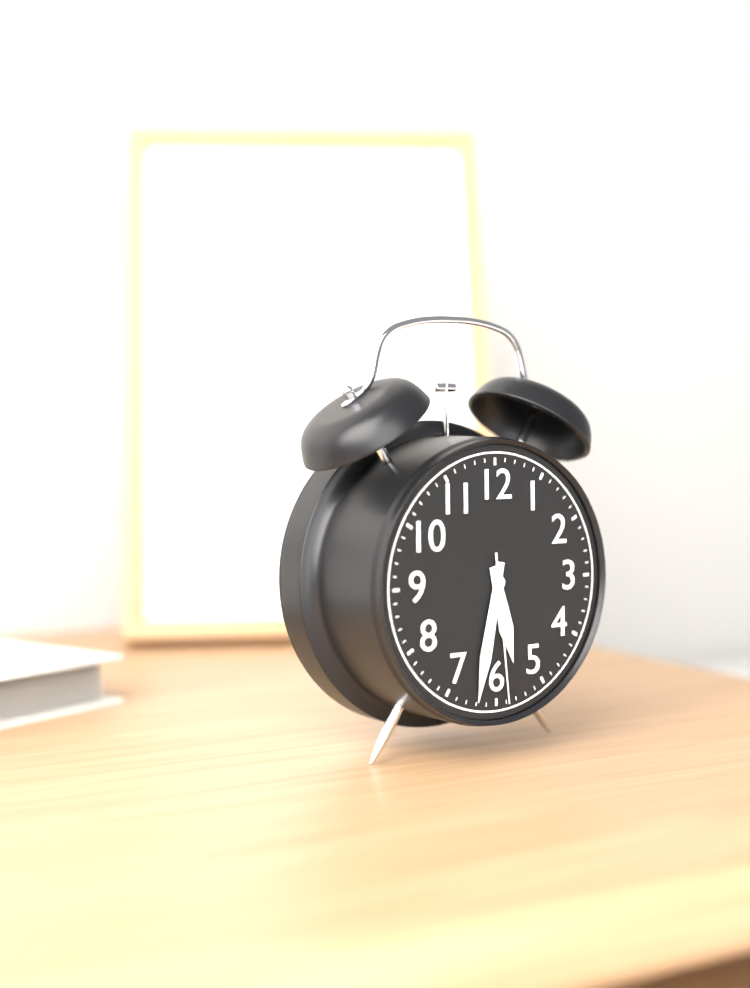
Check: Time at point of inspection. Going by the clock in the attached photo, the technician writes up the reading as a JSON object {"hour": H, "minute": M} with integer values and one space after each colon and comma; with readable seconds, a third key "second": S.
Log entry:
{"hour": 5, "minute": 32, "second": 29}
